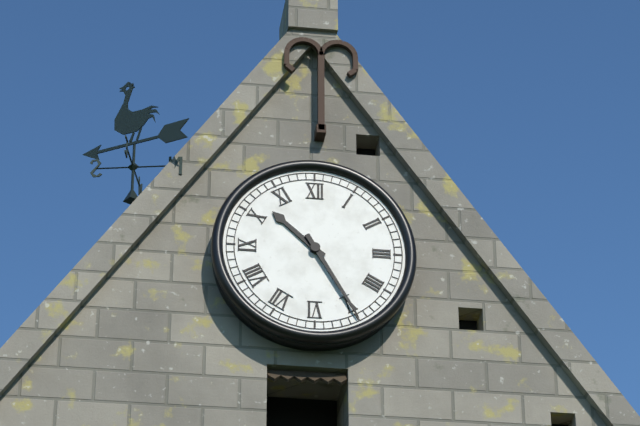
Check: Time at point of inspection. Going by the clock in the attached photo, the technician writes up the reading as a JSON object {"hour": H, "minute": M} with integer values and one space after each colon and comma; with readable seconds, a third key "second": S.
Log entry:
{"hour": 10, "minute": 25}
